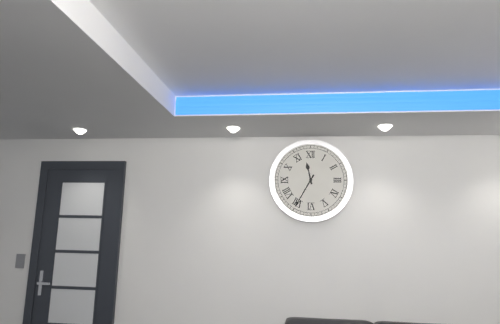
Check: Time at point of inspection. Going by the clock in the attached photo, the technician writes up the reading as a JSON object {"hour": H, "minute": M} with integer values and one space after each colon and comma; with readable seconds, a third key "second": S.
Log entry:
{"hour": 11, "minute": 35}
